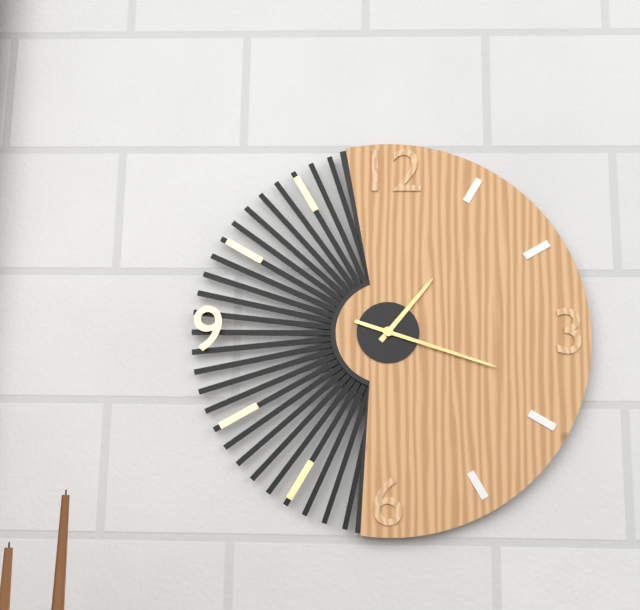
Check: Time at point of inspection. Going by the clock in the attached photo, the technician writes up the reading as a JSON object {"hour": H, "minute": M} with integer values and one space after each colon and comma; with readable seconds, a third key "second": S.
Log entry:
{"hour": 1, "minute": 18}
